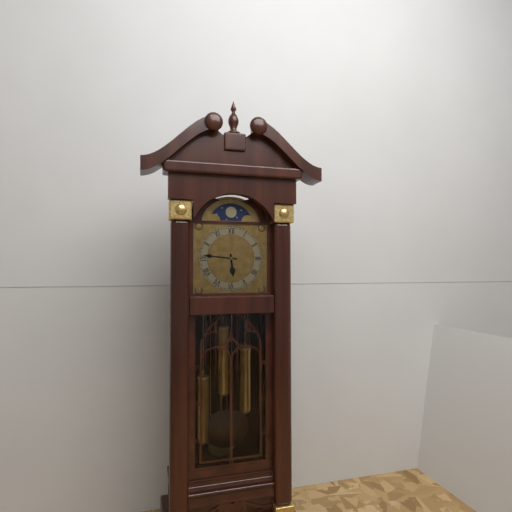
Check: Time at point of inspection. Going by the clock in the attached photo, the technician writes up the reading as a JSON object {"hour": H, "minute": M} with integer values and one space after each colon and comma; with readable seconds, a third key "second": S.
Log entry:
{"hour": 5, "minute": 46}
